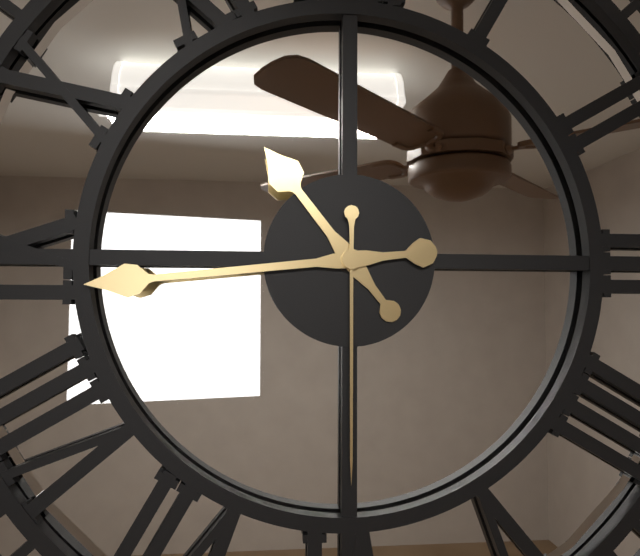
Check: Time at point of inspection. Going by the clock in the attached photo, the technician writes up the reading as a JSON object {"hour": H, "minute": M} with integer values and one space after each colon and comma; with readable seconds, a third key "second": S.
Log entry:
{"hour": 10, "minute": 44, "second": 30}
